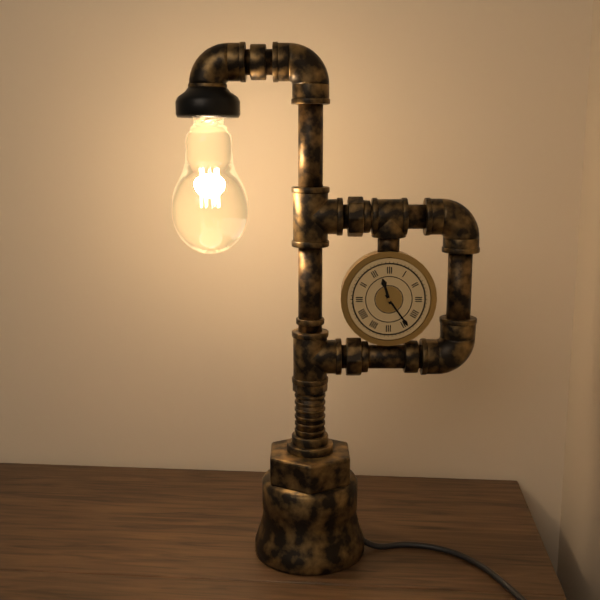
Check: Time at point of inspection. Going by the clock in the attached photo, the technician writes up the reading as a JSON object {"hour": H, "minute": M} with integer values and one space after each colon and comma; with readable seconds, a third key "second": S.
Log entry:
{"hour": 11, "minute": 24}
